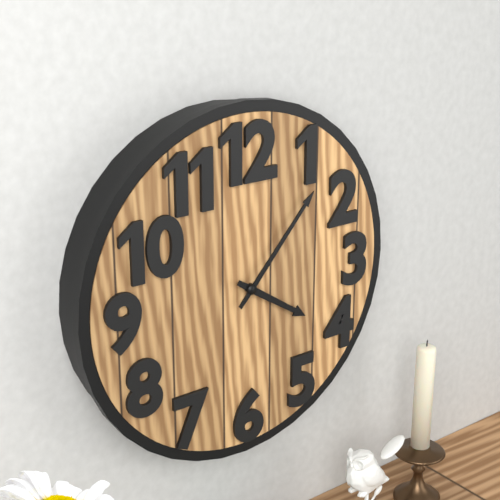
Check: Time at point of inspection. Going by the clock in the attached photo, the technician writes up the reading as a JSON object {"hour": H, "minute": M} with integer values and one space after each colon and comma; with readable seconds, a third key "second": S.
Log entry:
{"hour": 4, "minute": 7}
